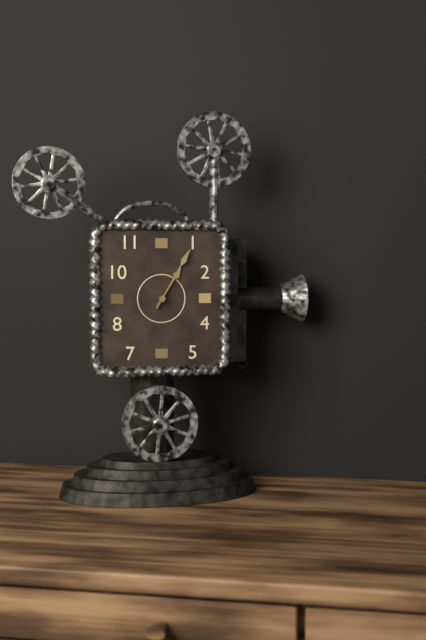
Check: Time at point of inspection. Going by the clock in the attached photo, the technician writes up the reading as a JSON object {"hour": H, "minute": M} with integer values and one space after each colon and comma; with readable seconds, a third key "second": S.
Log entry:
{"hour": 1, "minute": 5}
